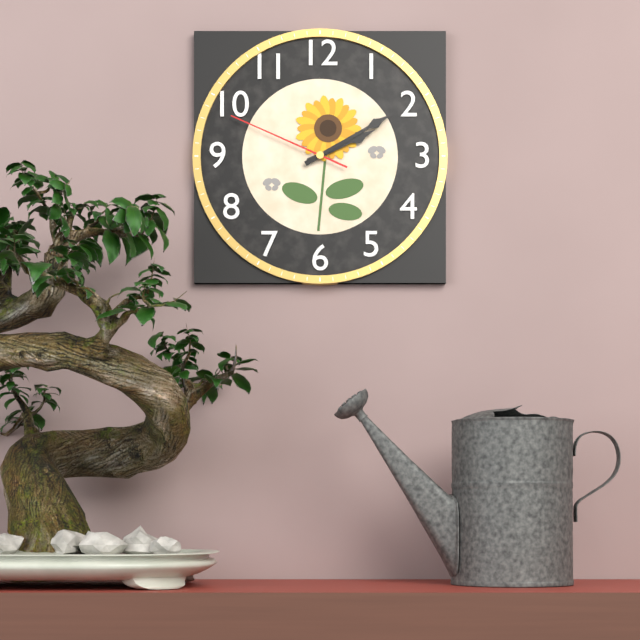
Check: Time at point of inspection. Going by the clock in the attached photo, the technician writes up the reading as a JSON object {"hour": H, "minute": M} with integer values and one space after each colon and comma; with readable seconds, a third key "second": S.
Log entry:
{"hour": 2, "minute": 10, "second": 49}
